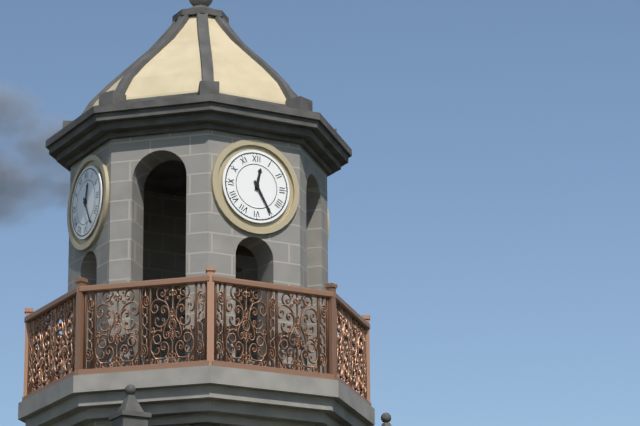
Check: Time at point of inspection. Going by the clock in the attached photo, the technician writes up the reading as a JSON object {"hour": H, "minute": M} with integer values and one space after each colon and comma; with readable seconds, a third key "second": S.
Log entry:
{"hour": 12, "minute": 25}
